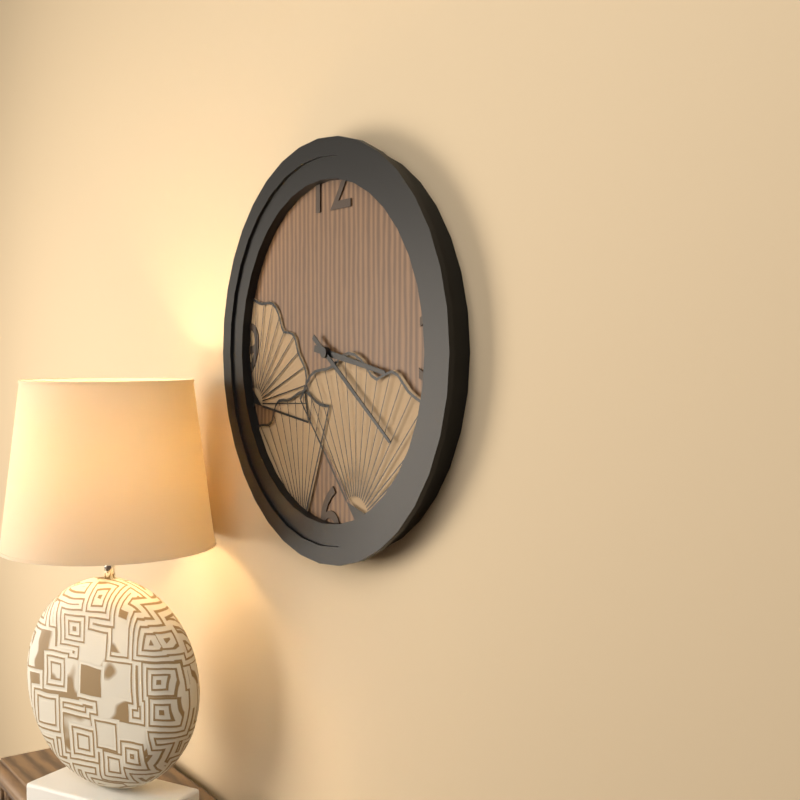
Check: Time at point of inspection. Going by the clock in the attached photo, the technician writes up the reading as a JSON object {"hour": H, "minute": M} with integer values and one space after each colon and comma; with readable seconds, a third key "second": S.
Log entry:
{"hour": 3, "minute": 21}
